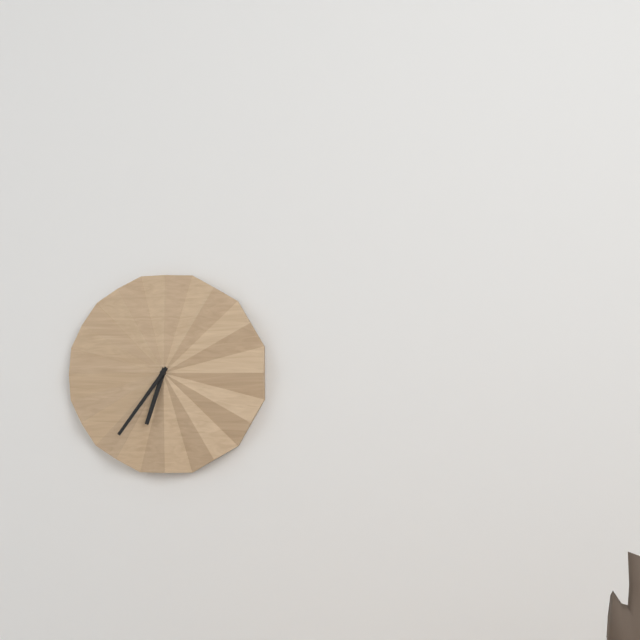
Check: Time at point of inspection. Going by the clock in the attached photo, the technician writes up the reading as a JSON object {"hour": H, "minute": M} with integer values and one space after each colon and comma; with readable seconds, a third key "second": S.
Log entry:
{"hour": 6, "minute": 36}
